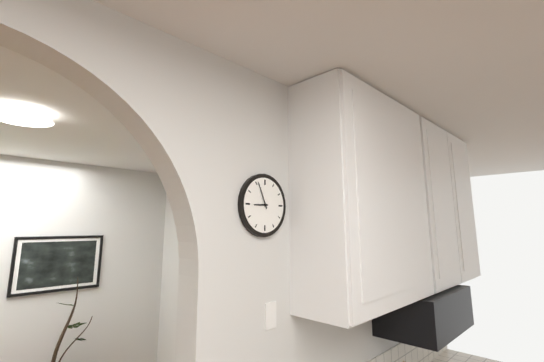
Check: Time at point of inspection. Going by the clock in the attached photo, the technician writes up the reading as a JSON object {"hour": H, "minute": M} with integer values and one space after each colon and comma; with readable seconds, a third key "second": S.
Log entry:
{"hour": 8, "minute": 56}
